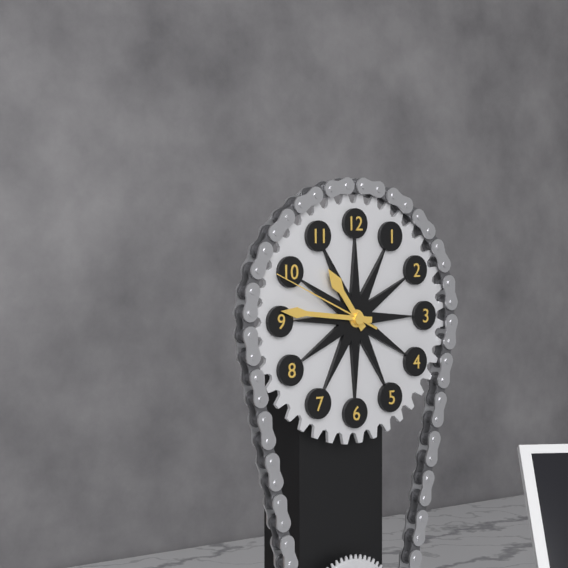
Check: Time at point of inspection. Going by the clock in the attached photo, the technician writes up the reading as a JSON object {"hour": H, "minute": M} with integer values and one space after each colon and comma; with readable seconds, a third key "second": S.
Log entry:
{"hour": 10, "minute": 46, "second": 49}
